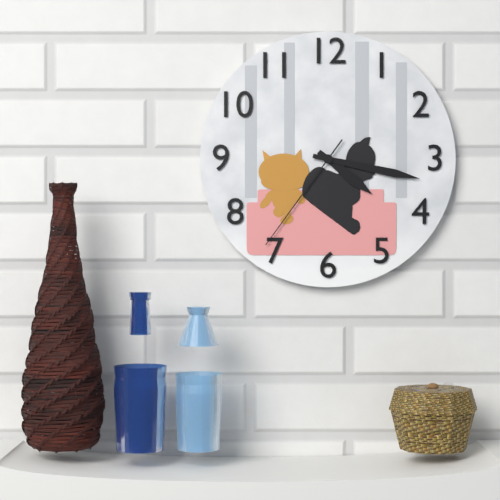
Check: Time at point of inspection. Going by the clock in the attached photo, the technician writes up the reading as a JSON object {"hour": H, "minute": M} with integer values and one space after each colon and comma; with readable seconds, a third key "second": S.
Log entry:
{"hour": 4, "minute": 17, "second": 36}
